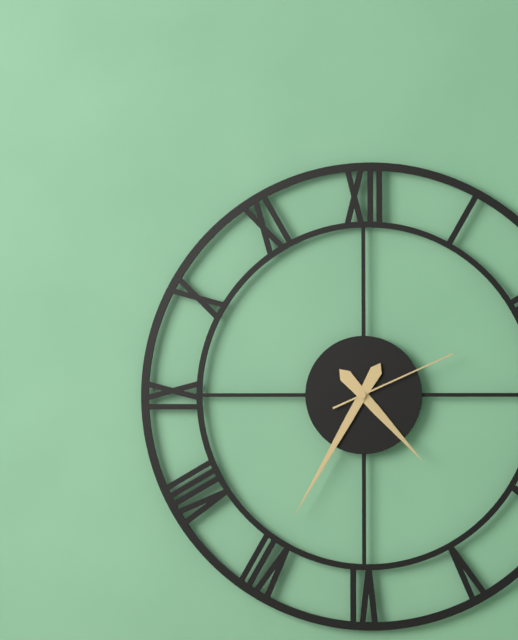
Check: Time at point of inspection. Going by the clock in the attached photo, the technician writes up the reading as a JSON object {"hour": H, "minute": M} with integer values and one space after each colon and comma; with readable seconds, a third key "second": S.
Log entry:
{"hour": 4, "minute": 35, "second": 11}
